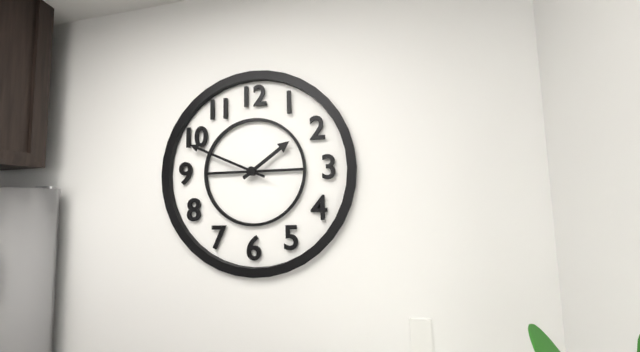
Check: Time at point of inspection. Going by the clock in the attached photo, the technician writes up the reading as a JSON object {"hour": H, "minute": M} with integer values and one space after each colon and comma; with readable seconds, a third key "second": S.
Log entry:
{"hour": 1, "minute": 49}
